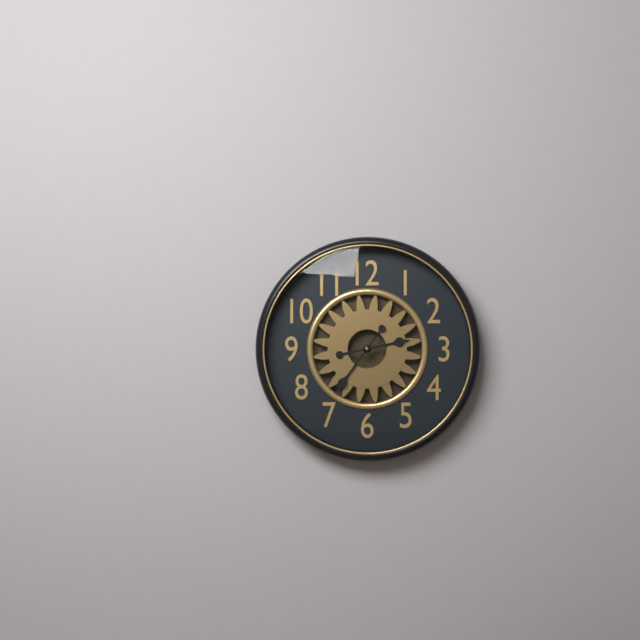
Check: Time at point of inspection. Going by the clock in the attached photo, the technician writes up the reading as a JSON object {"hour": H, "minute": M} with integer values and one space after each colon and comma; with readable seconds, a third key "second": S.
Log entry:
{"hour": 2, "minute": 36}
